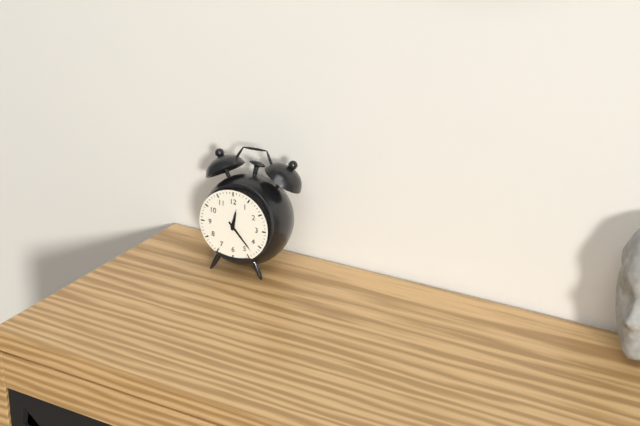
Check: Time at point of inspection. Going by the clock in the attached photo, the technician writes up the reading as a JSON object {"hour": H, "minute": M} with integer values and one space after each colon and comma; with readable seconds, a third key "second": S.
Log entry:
{"hour": 12, "minute": 23}
